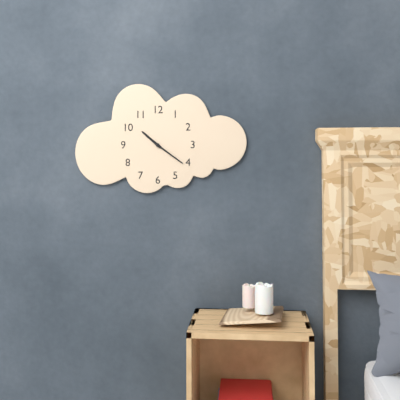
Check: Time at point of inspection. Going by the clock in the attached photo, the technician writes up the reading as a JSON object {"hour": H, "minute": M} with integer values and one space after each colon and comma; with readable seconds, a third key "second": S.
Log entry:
{"hour": 10, "minute": 21}
